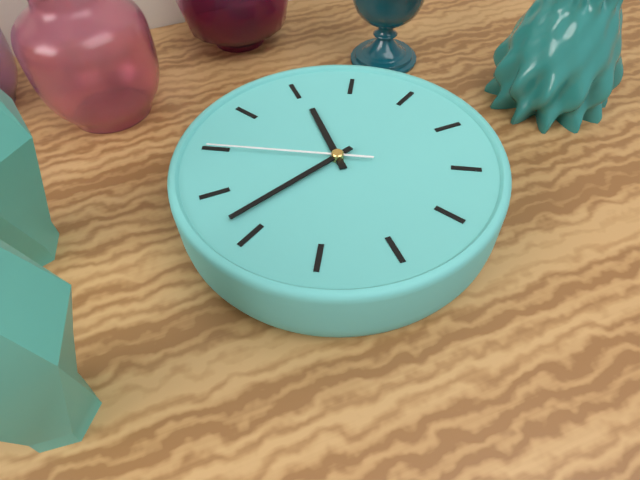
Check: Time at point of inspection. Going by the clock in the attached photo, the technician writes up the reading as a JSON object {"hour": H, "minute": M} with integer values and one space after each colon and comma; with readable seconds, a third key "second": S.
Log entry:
{"hour": 5, "minute": 7, "second": 15}
